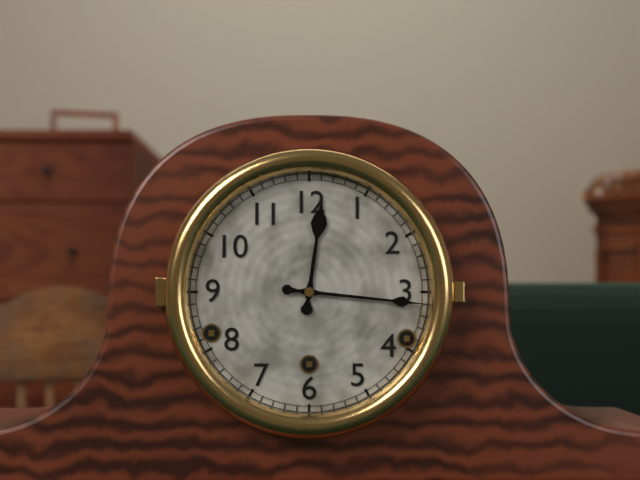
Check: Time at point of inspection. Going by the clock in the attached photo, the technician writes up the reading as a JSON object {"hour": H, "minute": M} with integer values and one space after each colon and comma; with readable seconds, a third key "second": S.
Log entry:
{"hour": 12, "minute": 16}
